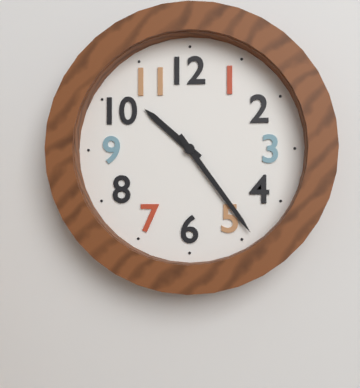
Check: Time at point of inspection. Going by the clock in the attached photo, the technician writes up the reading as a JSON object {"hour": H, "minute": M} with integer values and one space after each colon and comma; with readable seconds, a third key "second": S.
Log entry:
{"hour": 10, "minute": 24}
